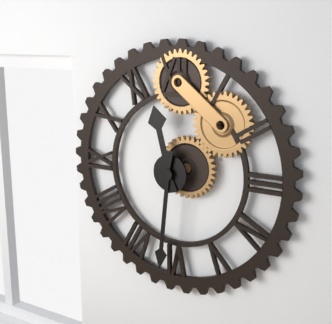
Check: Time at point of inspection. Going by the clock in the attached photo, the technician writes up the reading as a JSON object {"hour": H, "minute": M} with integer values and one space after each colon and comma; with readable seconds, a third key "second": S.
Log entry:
{"hour": 11, "minute": 31}
